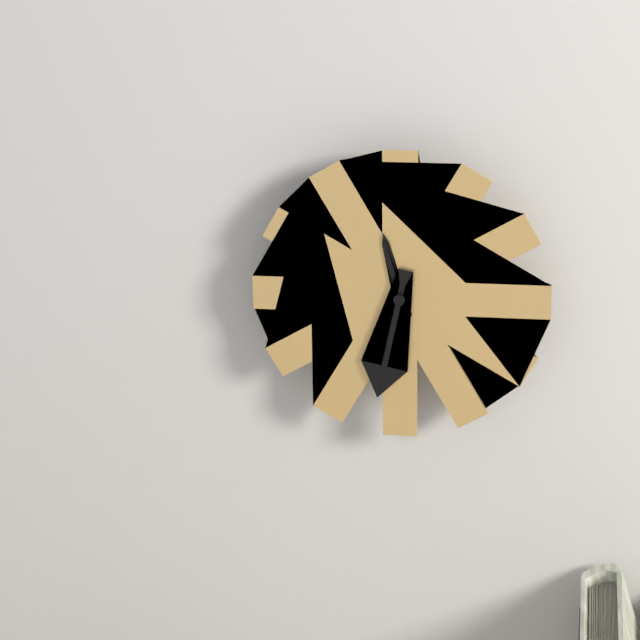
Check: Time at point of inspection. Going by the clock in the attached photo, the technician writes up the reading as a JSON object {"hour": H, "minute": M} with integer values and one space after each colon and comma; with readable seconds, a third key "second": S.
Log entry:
{"hour": 11, "minute": 32}
